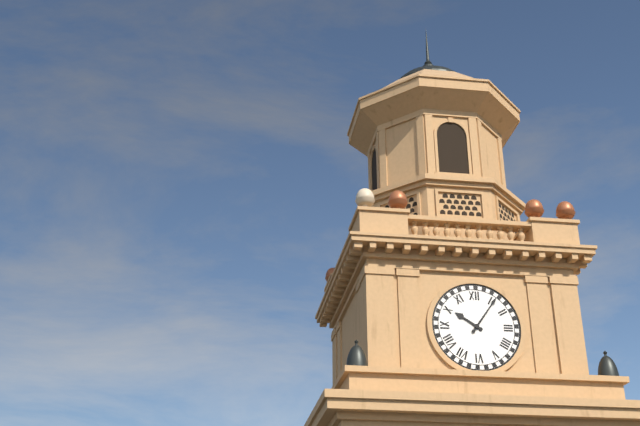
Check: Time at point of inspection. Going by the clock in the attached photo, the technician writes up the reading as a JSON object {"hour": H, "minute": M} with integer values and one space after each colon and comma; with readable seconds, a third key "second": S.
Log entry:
{"hour": 10, "minute": 6}
